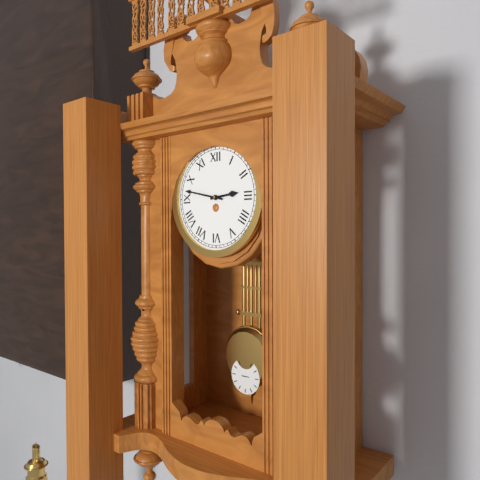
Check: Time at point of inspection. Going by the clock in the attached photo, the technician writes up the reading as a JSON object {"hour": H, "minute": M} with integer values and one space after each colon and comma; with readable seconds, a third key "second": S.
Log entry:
{"hour": 2, "minute": 47}
